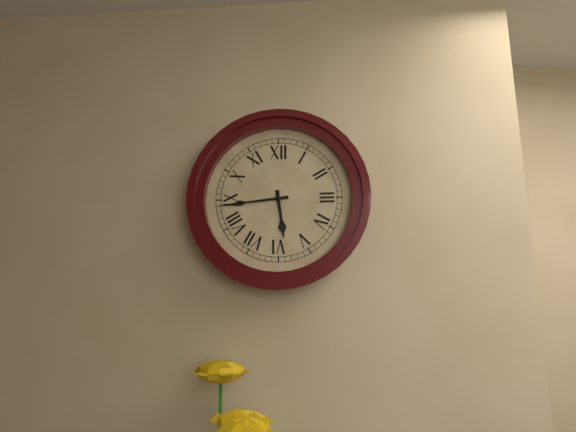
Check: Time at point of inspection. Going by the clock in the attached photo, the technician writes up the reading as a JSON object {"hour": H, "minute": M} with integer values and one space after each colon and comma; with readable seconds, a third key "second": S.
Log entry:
{"hour": 5, "minute": 44}
